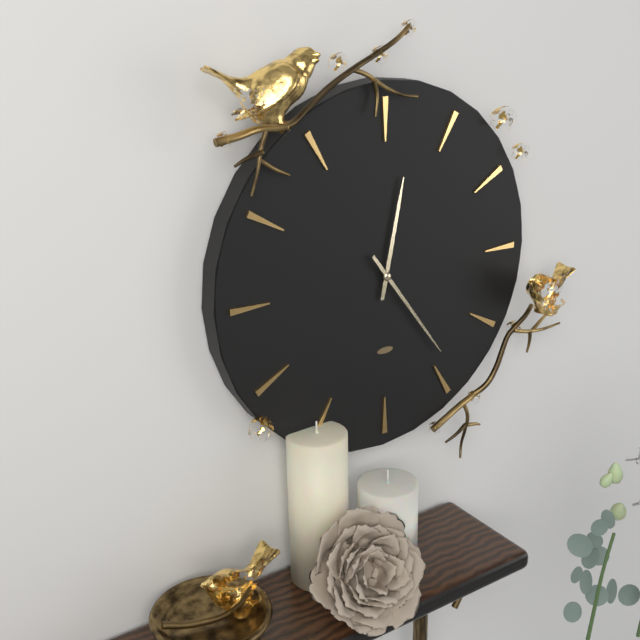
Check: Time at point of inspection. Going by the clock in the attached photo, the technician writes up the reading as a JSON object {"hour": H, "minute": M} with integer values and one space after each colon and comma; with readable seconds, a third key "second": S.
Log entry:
{"hour": 12, "minute": 24}
